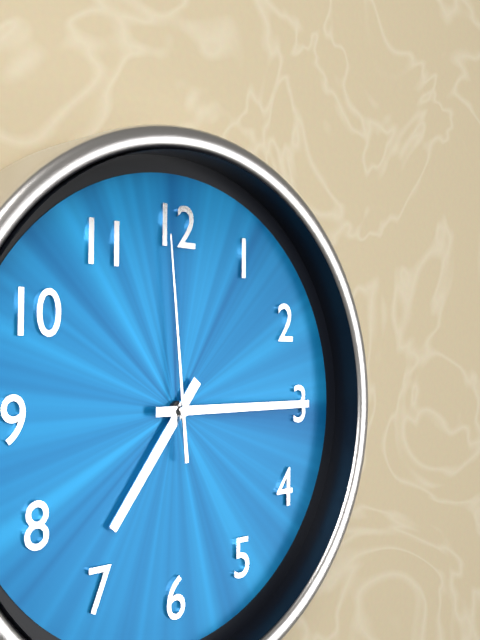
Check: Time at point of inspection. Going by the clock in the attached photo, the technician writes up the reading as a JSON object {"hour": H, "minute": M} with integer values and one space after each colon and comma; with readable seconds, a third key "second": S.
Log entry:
{"hour": 7, "minute": 15, "second": 59}
